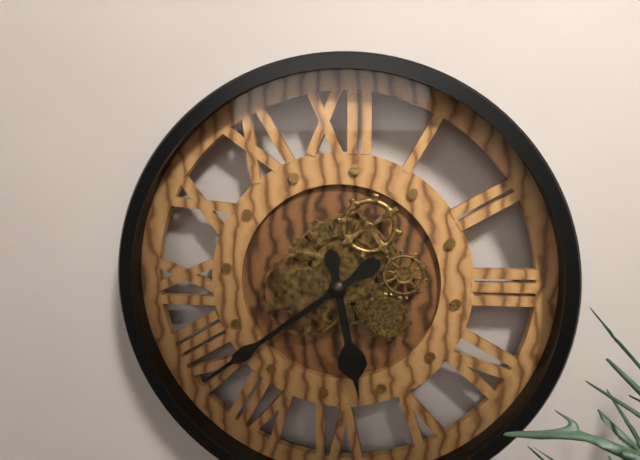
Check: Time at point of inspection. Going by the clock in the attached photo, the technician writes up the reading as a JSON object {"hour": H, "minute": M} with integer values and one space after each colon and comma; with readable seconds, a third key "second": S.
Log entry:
{"hour": 5, "minute": 39}
